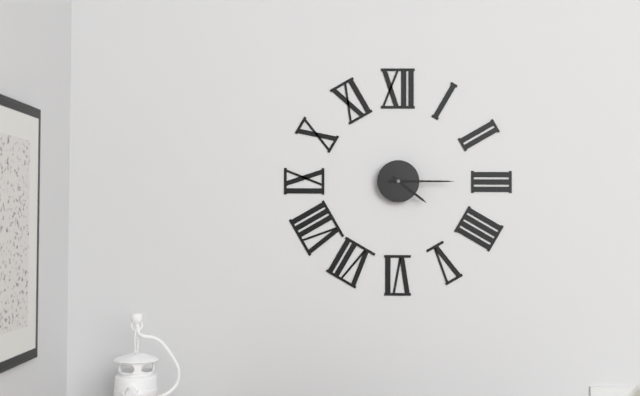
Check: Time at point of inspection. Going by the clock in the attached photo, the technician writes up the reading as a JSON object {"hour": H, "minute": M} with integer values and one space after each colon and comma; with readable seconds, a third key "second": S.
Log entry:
{"hour": 4, "minute": 15}
